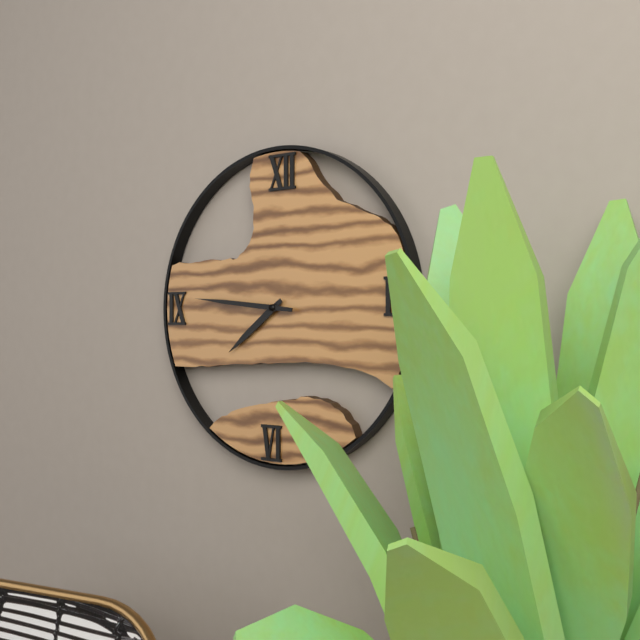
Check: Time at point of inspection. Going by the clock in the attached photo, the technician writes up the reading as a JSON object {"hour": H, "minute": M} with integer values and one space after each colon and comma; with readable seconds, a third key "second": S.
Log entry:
{"hour": 7, "minute": 46}
